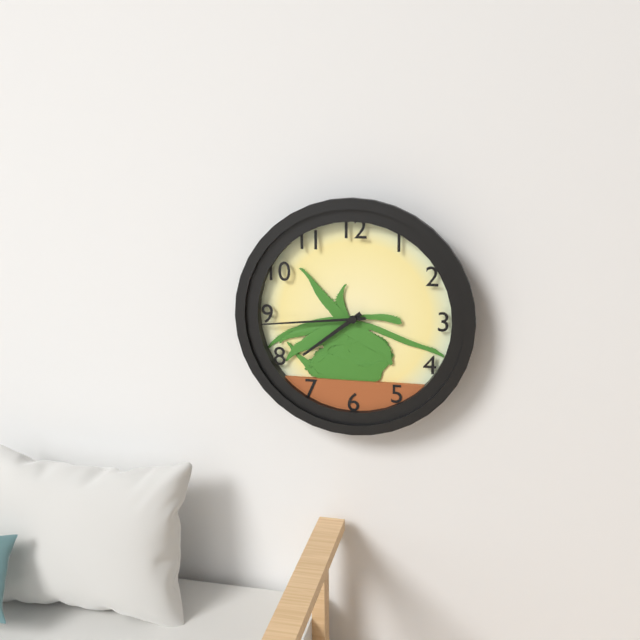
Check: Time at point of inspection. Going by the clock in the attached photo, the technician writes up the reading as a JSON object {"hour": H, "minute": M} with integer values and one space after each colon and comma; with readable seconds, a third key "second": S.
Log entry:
{"hour": 7, "minute": 44}
